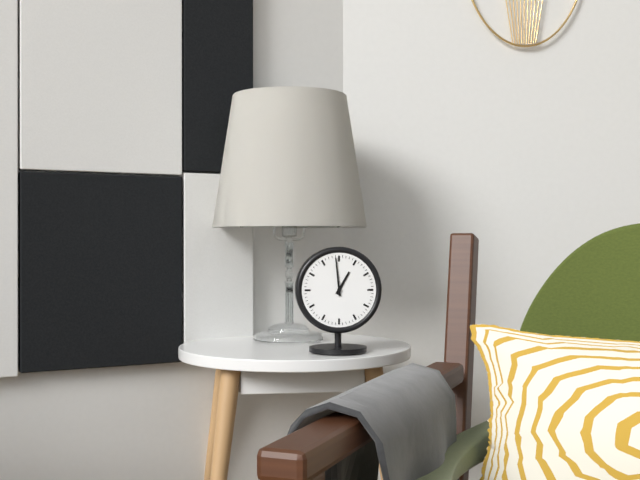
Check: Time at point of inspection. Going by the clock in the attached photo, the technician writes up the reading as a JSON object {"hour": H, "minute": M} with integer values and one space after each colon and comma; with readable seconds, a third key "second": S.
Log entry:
{"hour": 12, "minute": 59}
